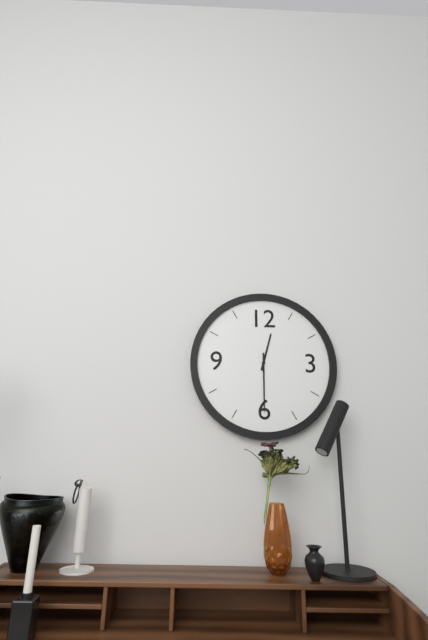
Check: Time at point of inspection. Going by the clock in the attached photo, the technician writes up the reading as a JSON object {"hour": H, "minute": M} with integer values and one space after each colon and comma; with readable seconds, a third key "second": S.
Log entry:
{"hour": 12, "minute": 30}
